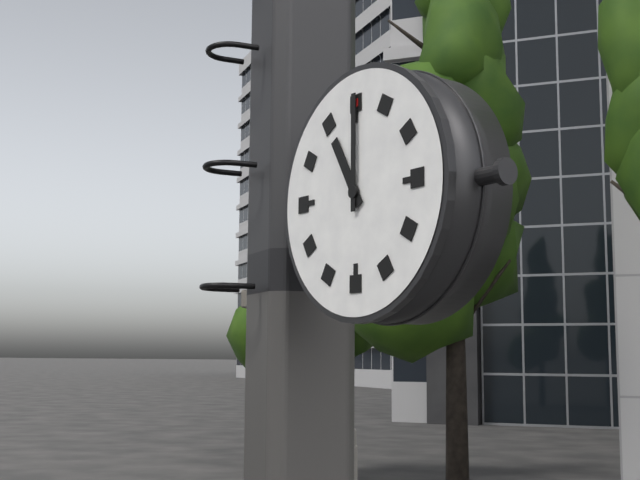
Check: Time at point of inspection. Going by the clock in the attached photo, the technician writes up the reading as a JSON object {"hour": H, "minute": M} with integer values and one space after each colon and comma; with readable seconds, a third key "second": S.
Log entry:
{"hour": 11, "minute": 0}
